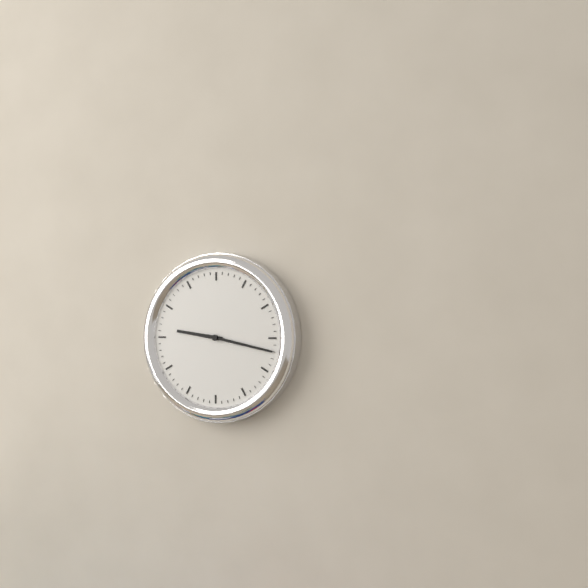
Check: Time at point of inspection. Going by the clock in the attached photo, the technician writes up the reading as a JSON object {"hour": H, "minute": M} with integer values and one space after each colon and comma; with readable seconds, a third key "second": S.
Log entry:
{"hour": 9, "minute": 17}
